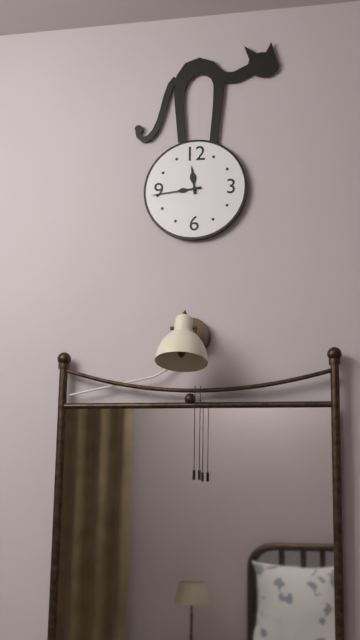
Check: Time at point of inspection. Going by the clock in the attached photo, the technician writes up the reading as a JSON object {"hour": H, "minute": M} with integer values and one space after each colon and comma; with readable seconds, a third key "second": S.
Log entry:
{"hour": 11, "minute": 44}
